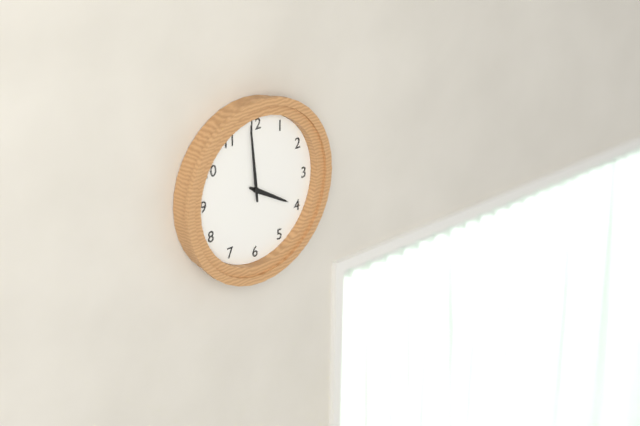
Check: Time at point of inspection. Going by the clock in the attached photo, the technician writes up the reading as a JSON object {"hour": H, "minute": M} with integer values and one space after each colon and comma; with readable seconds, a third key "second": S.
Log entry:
{"hour": 3, "minute": 59}
